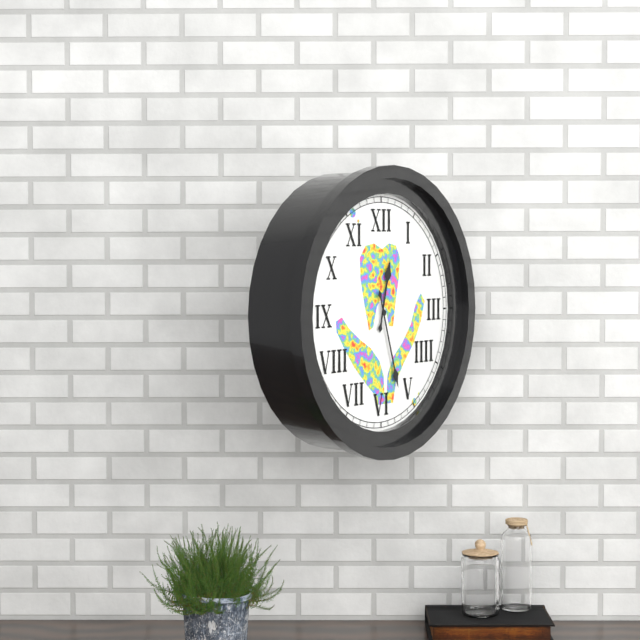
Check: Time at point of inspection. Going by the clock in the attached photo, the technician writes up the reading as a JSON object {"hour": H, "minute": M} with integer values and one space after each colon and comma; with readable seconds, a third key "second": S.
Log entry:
{"hour": 12, "minute": 27}
